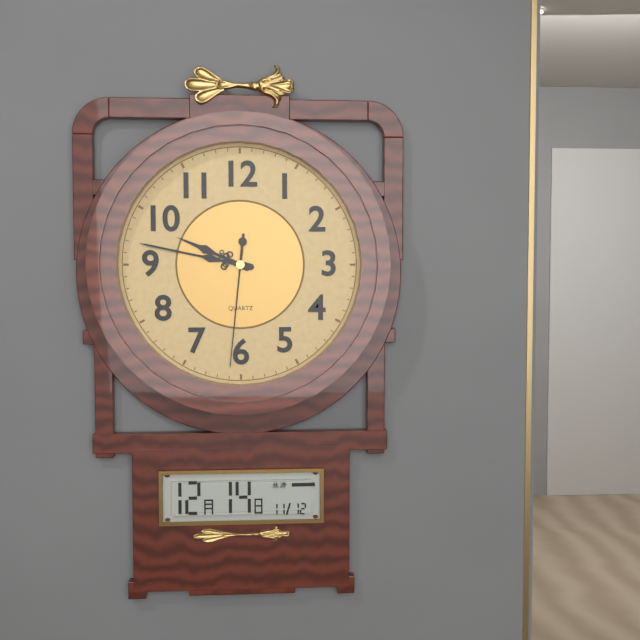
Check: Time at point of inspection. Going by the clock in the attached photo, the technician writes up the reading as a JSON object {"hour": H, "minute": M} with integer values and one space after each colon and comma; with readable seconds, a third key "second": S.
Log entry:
{"hour": 9, "minute": 47, "second": 31}
